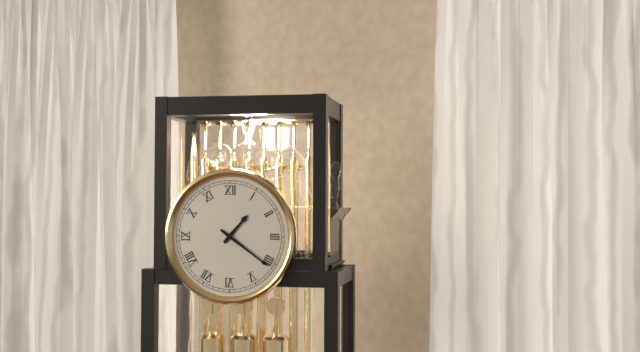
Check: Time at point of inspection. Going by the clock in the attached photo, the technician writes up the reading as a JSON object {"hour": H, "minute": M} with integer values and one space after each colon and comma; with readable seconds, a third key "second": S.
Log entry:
{"hour": 1, "minute": 21}
